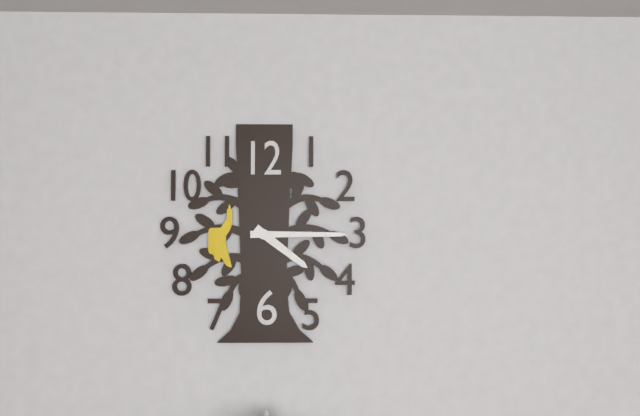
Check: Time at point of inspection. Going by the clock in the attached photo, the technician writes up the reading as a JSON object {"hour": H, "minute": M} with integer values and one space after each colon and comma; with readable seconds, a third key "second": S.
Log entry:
{"hour": 4, "minute": 15}
